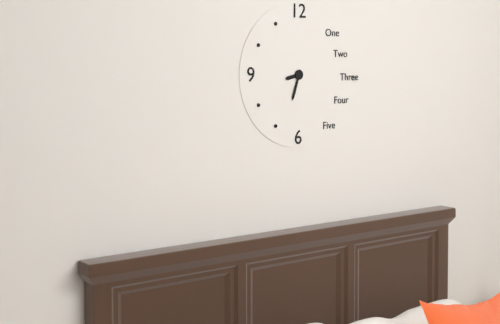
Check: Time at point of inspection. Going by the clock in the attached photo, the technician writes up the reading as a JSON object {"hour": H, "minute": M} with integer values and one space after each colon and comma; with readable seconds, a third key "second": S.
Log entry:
{"hour": 8, "minute": 33}
